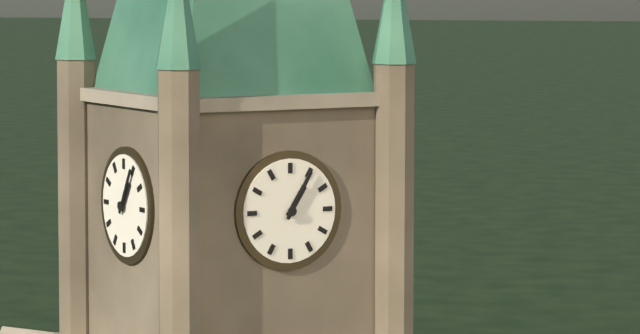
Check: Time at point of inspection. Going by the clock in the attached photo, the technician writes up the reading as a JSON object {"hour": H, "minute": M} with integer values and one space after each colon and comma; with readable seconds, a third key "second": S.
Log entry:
{"hour": 1, "minute": 5}
